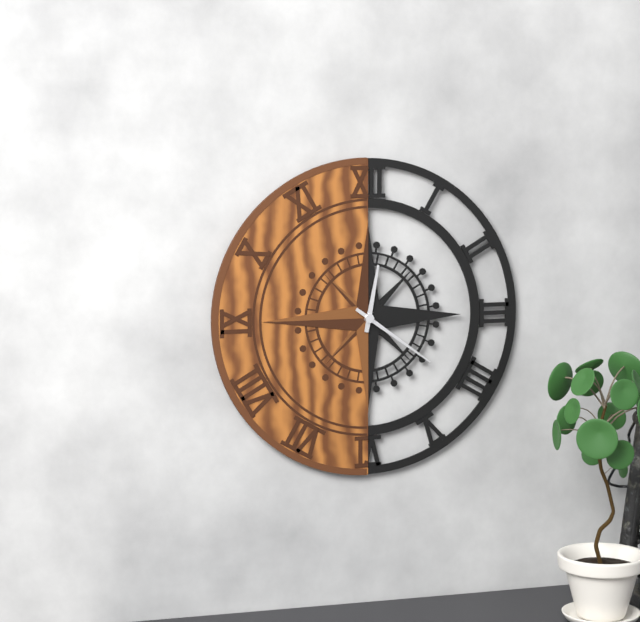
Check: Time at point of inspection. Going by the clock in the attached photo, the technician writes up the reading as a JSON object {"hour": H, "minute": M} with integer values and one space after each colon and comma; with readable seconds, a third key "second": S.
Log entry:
{"hour": 12, "minute": 21}
